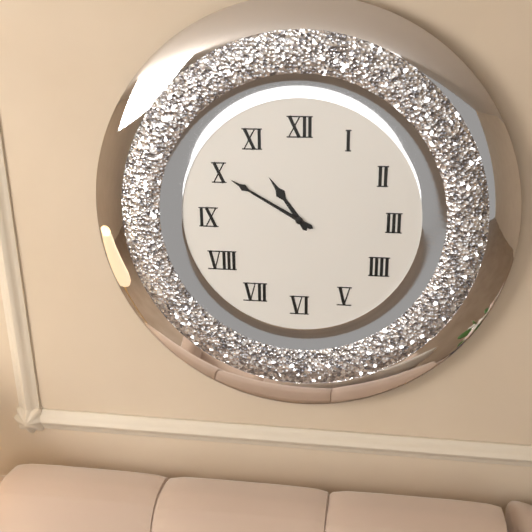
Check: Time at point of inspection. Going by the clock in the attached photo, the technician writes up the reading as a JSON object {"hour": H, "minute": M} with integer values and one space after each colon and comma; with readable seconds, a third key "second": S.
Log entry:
{"hour": 10, "minute": 50}
